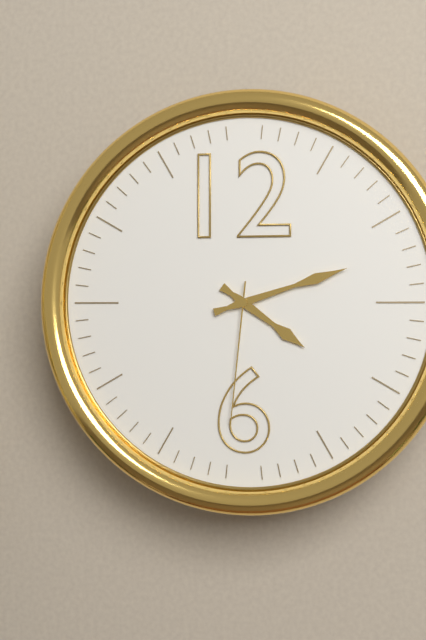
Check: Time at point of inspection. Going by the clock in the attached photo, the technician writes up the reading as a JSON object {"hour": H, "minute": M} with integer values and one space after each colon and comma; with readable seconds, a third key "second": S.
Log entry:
{"hour": 4, "minute": 12, "second": 31}
